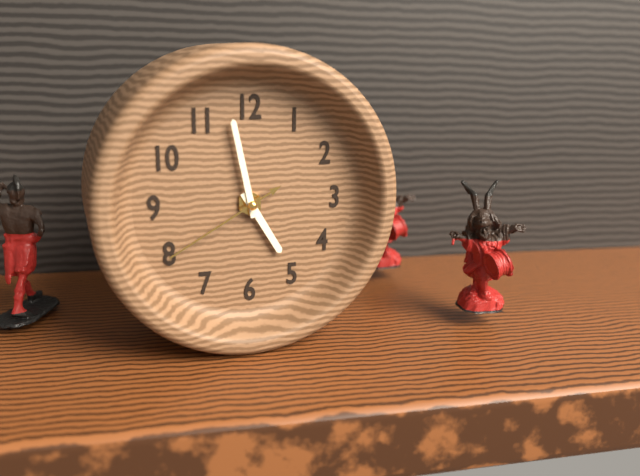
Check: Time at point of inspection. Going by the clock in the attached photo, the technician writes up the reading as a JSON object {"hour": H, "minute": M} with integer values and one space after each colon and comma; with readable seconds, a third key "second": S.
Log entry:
{"hour": 4, "minute": 58, "second": 40}
